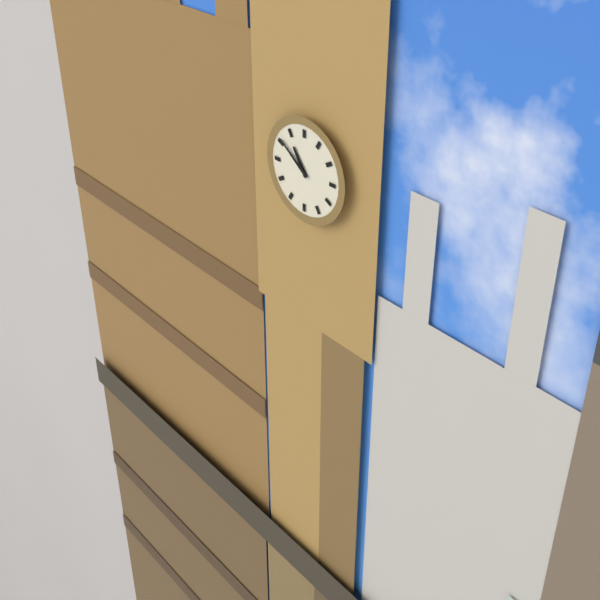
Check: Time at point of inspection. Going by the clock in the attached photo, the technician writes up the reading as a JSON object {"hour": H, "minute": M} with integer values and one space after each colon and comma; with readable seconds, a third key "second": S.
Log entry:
{"hour": 10, "minute": 51}
